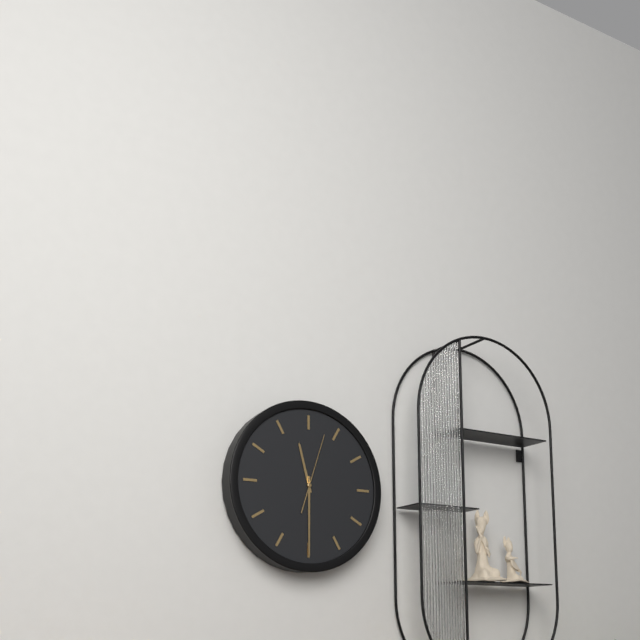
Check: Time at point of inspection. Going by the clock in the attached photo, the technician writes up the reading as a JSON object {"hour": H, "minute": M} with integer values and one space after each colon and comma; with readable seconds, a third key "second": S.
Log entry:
{"hour": 11, "minute": 30, "second": 3}
